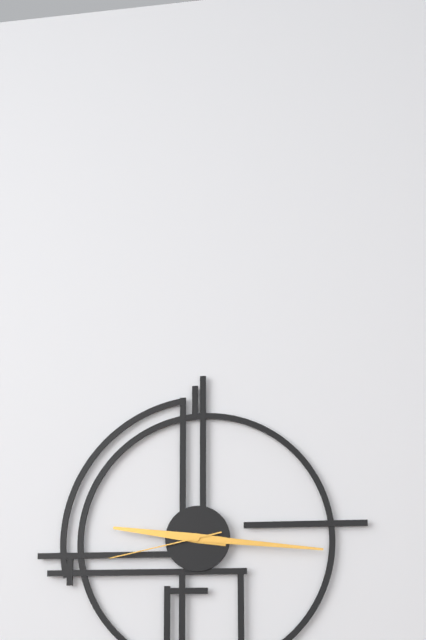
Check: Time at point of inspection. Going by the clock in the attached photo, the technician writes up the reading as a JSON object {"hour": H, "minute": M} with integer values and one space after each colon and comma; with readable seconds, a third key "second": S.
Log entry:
{"hour": 9, "minute": 16, "second": 43}
